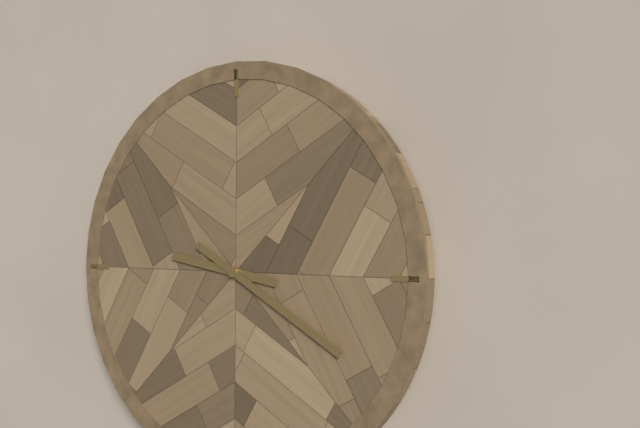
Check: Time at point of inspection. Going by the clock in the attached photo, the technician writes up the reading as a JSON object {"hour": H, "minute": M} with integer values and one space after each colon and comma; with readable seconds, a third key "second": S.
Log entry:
{"hour": 9, "minute": 20}
